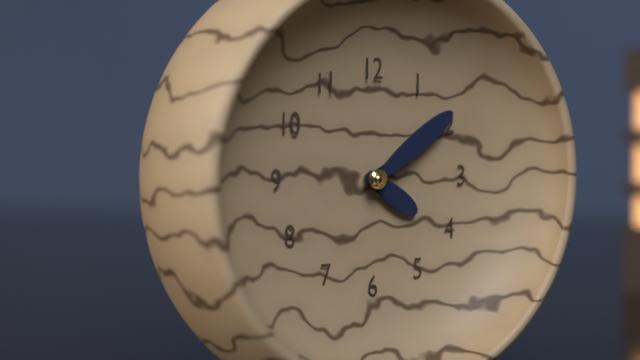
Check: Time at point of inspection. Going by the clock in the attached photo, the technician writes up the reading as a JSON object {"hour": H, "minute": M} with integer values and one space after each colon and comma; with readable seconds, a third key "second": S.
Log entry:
{"hour": 4, "minute": 9}
